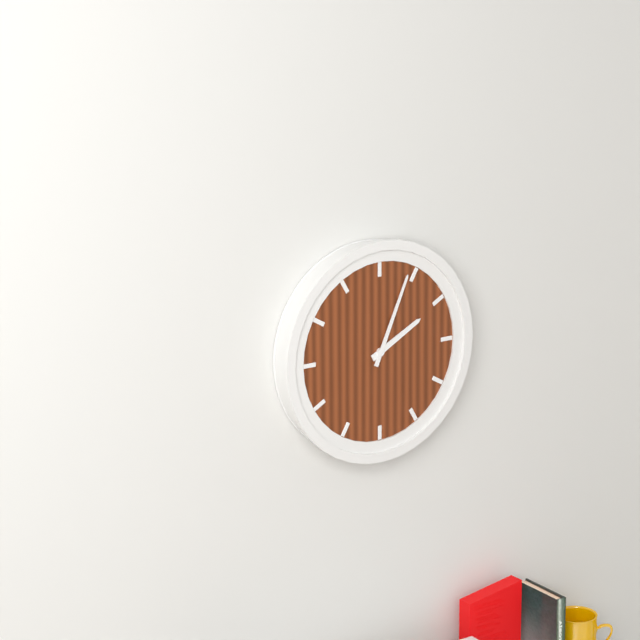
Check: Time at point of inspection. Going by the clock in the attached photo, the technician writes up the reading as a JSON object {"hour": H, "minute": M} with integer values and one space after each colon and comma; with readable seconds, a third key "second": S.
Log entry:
{"hour": 2, "minute": 4}
